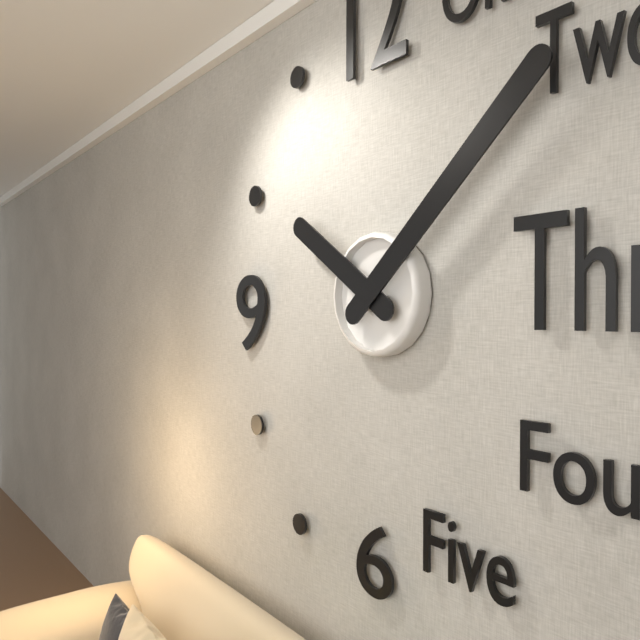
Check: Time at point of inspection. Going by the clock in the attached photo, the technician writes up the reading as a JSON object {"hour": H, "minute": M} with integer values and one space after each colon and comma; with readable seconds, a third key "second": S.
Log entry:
{"hour": 10, "minute": 8}
